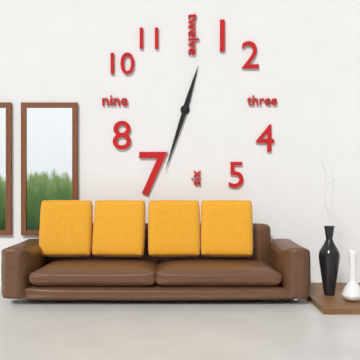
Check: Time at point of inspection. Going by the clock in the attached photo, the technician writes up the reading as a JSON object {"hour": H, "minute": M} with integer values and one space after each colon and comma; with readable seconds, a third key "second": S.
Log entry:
{"hour": 12, "minute": 33}
